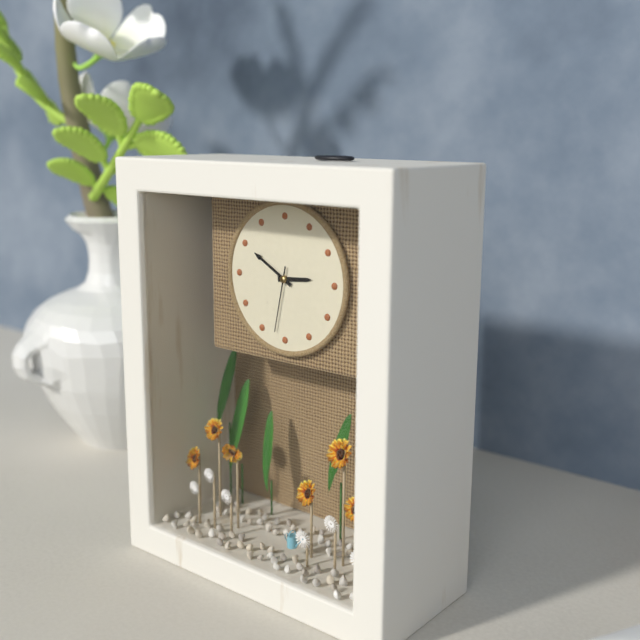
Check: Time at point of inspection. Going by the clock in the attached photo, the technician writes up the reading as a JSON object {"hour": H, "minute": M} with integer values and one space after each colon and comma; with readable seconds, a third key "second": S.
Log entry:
{"hour": 2, "minute": 50, "second": 32}
